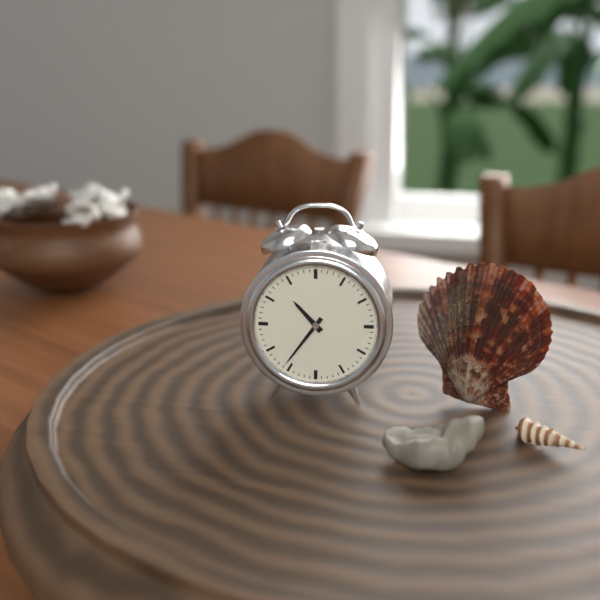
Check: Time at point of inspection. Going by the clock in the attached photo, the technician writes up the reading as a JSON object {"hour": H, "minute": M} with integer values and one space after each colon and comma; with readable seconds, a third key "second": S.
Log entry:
{"hour": 10, "minute": 36}
